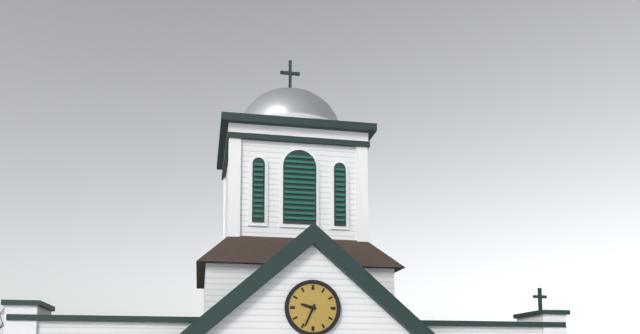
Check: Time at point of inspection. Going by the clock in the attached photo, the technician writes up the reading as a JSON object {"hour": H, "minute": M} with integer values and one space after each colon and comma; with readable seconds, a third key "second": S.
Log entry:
{"hour": 9, "minute": 34}
